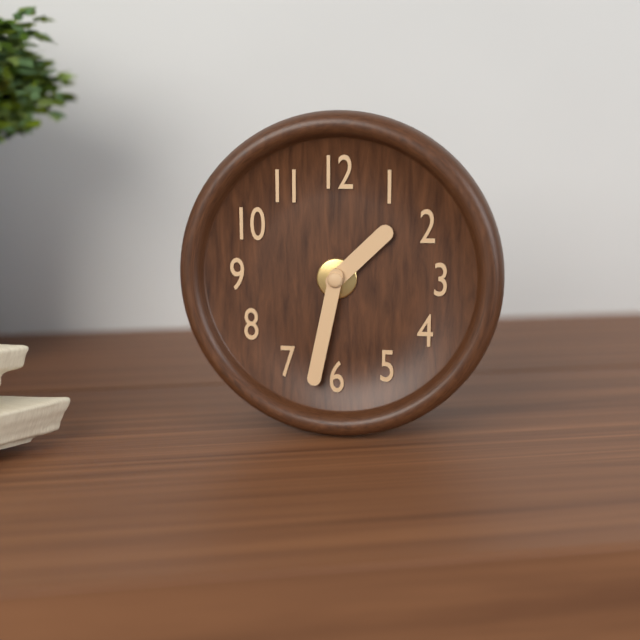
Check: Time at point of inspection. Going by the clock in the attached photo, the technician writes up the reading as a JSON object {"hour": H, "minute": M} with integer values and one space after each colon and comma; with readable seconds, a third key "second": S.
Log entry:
{"hour": 1, "minute": 32}
